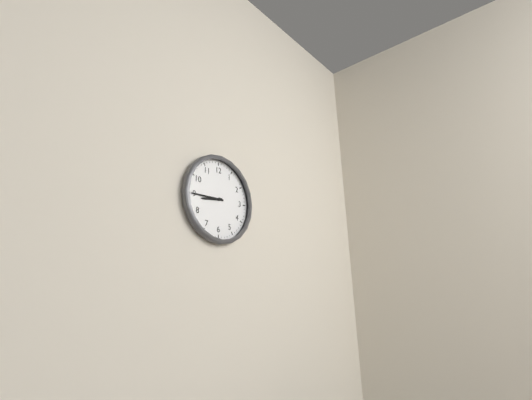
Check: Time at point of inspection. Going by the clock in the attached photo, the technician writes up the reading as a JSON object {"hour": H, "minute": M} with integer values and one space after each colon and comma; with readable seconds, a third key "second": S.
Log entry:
{"hour": 8, "minute": 45}
